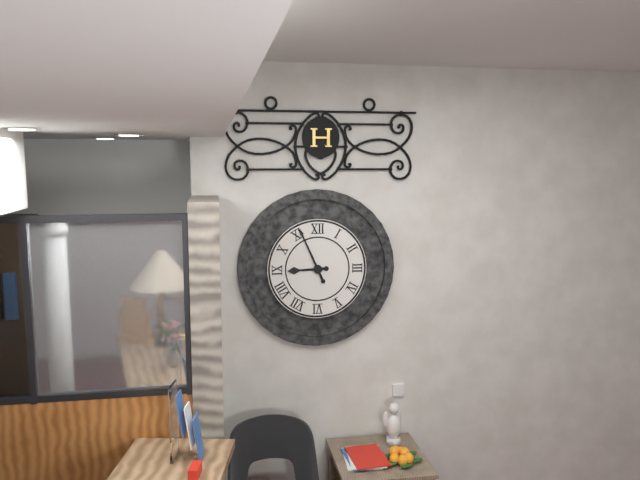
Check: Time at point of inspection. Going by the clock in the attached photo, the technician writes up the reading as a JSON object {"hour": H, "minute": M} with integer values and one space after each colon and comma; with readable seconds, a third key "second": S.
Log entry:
{"hour": 8, "minute": 56}
